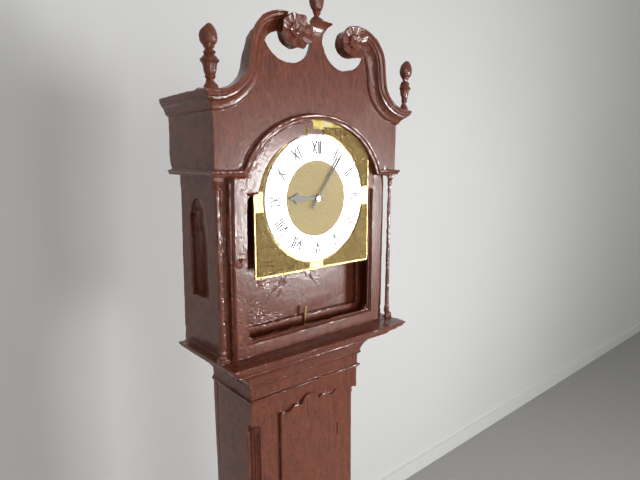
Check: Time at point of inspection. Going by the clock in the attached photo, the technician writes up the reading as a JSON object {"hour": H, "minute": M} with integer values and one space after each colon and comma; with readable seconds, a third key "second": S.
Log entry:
{"hour": 9, "minute": 6}
